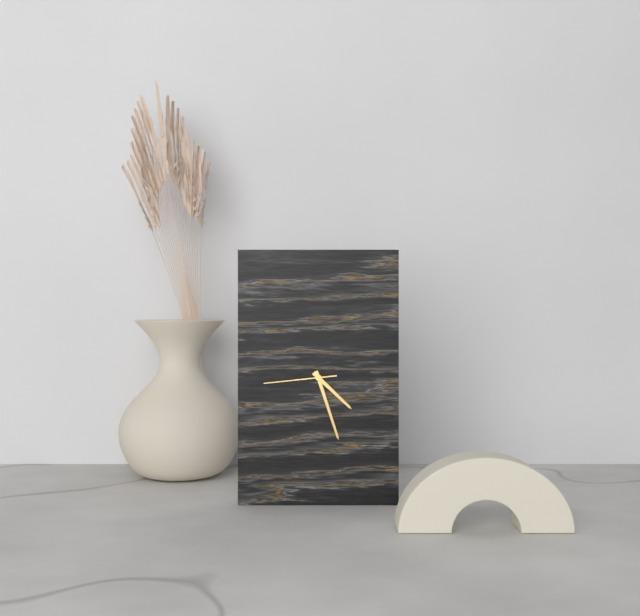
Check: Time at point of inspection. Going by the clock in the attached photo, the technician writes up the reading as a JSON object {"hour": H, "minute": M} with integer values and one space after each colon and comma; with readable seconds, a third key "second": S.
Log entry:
{"hour": 4, "minute": 27, "second": 44}
